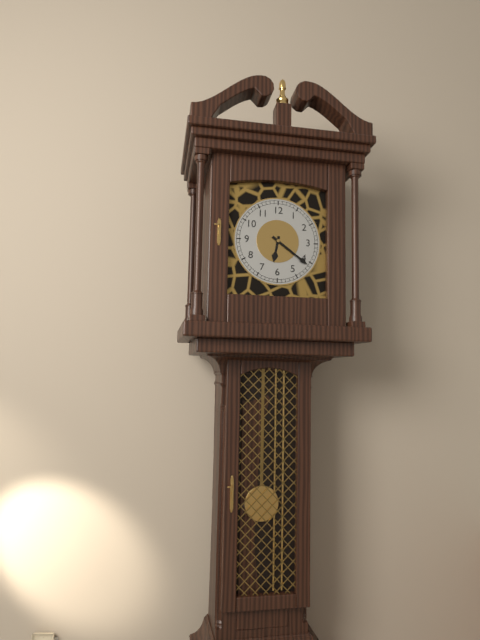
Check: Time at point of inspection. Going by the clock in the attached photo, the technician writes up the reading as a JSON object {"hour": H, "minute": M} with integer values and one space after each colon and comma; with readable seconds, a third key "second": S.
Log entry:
{"hour": 6, "minute": 21}
